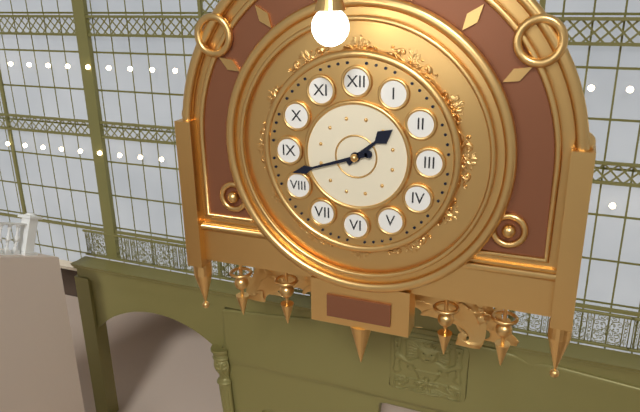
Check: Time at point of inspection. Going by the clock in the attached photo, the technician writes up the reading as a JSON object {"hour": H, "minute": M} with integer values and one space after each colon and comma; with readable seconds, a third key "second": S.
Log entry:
{"hour": 1, "minute": 42}
